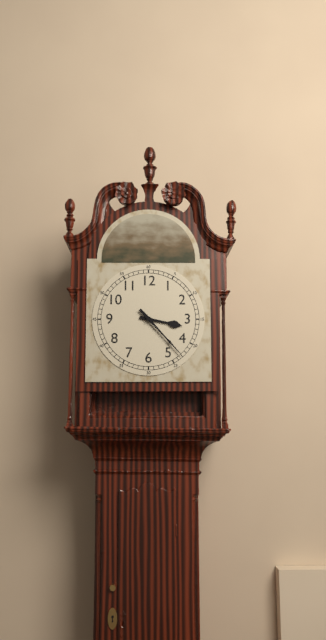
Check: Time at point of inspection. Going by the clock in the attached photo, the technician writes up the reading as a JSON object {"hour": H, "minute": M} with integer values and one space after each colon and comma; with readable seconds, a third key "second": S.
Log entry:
{"hour": 3, "minute": 23}
